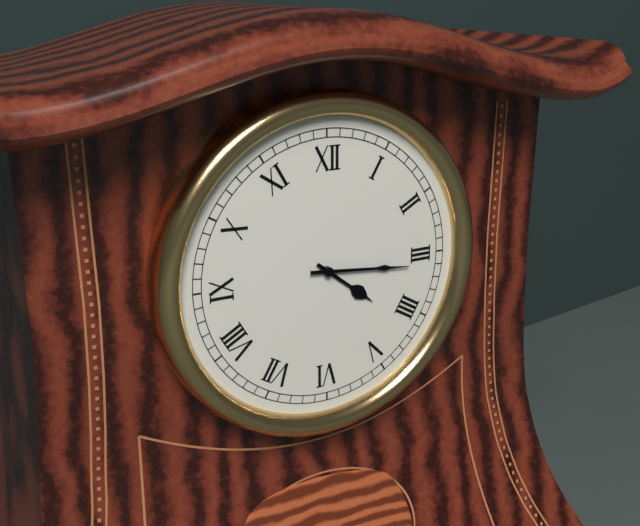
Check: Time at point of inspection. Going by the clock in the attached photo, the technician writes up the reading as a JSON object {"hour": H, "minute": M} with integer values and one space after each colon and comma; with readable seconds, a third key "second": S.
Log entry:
{"hour": 4, "minute": 16}
